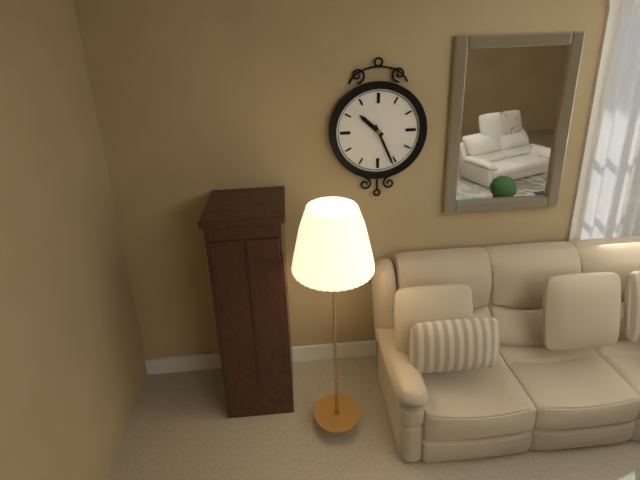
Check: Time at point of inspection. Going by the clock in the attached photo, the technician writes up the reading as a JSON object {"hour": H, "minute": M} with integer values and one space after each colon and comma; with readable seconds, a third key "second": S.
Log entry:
{"hour": 10, "minute": 26}
